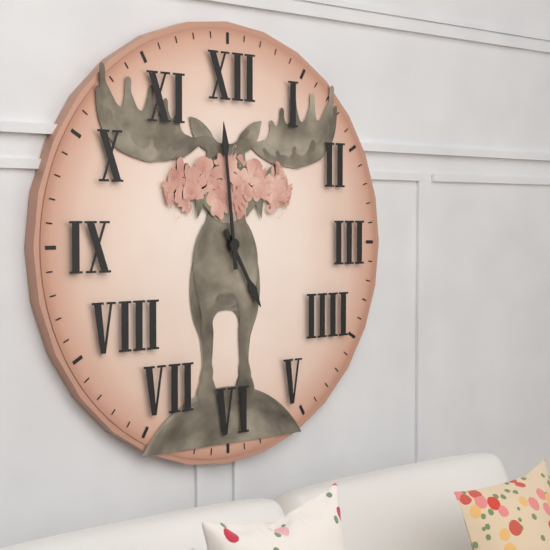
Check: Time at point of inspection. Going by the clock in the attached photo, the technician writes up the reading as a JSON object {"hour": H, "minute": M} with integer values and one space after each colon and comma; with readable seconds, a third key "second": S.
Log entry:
{"hour": 4, "minute": 59}
